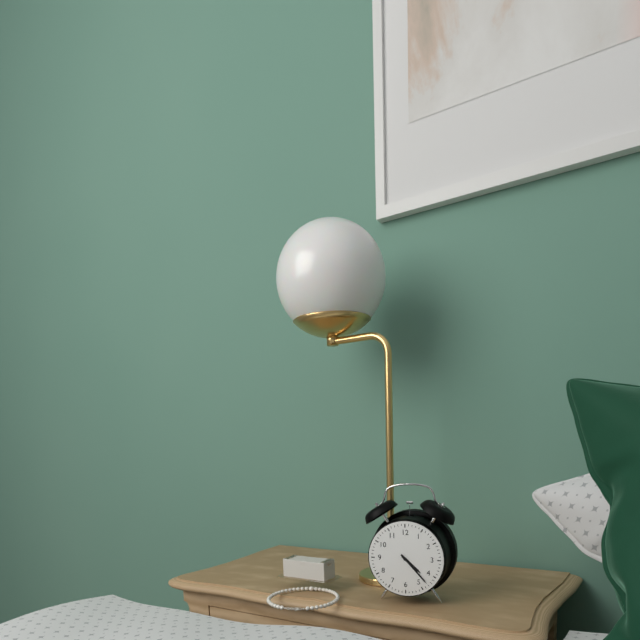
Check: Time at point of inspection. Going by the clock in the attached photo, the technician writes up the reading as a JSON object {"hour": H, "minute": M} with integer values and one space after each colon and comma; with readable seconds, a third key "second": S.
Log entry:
{"hour": 4, "minute": 23}
